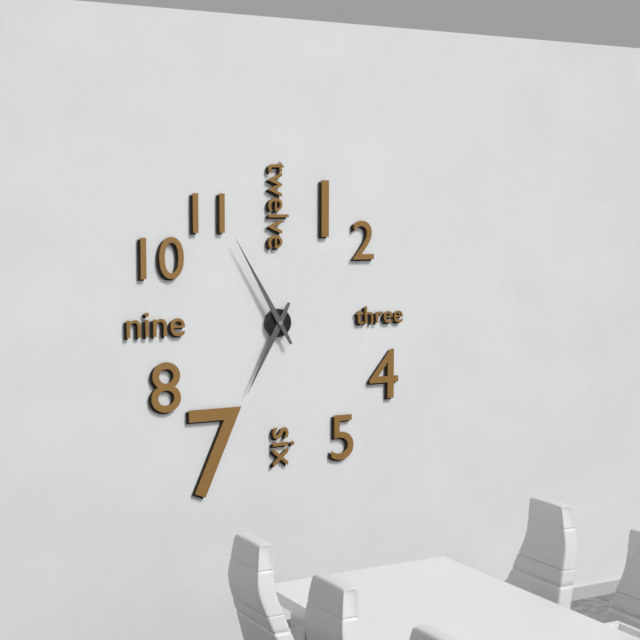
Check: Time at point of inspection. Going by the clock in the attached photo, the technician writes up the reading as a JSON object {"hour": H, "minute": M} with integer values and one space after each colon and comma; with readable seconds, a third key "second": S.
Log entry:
{"hour": 6, "minute": 55}
